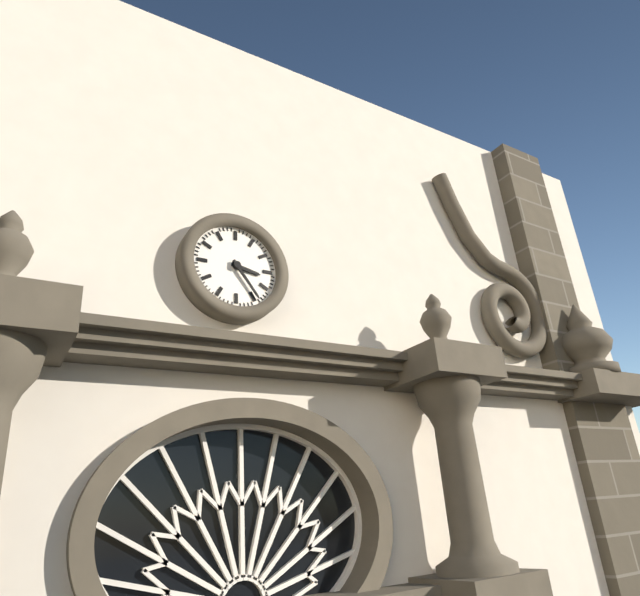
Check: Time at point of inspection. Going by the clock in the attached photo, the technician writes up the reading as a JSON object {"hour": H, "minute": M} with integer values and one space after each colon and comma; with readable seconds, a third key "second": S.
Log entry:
{"hour": 3, "minute": 24}
